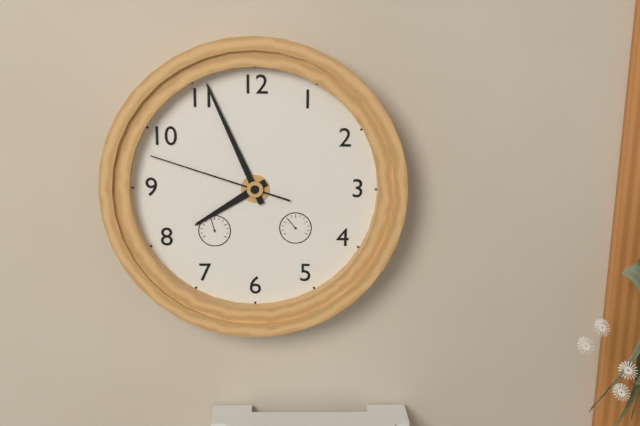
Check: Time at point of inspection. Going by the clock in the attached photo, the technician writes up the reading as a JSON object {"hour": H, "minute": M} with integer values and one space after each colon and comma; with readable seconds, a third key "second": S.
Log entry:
{"hour": 7, "minute": 56, "second": 48}
